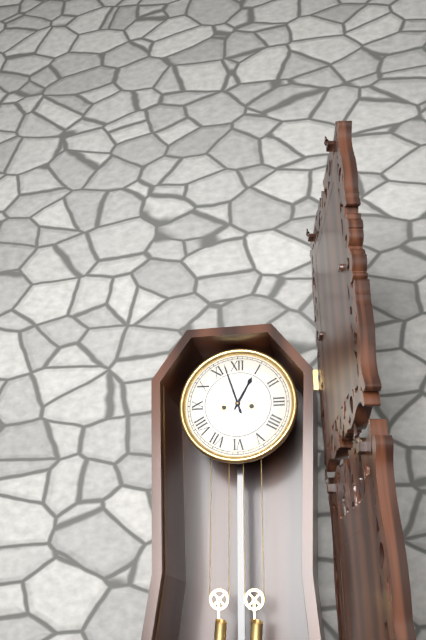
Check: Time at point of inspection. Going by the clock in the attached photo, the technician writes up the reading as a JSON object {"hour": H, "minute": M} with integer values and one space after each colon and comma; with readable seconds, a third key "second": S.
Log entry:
{"hour": 12, "minute": 57}
